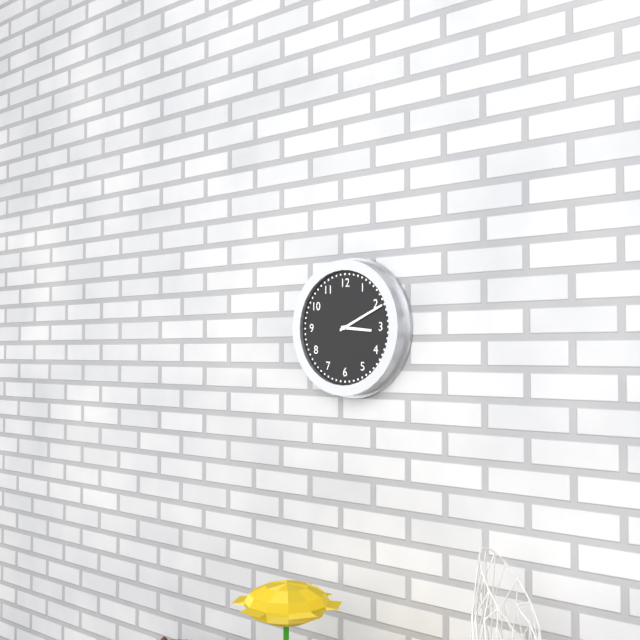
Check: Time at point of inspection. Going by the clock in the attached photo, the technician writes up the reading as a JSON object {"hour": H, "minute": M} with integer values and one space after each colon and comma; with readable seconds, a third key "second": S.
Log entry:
{"hour": 3, "minute": 11}
